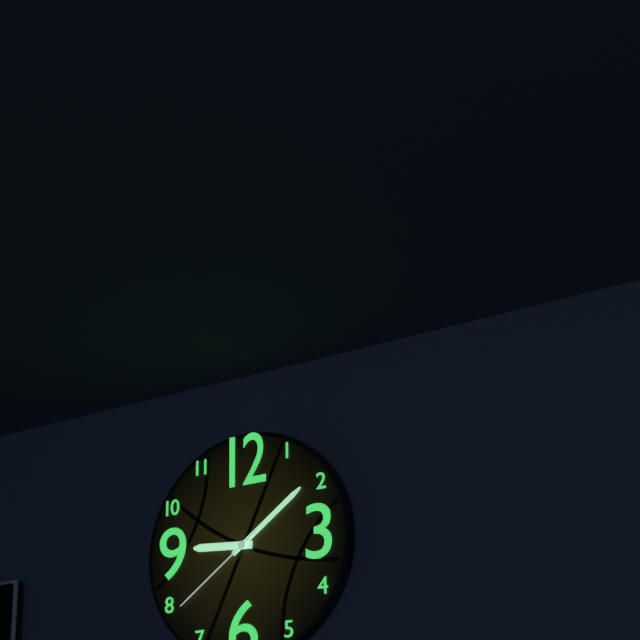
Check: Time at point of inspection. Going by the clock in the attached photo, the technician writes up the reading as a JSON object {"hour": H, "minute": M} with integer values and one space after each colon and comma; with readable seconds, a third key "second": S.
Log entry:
{"hour": 9, "minute": 9, "second": 39}
